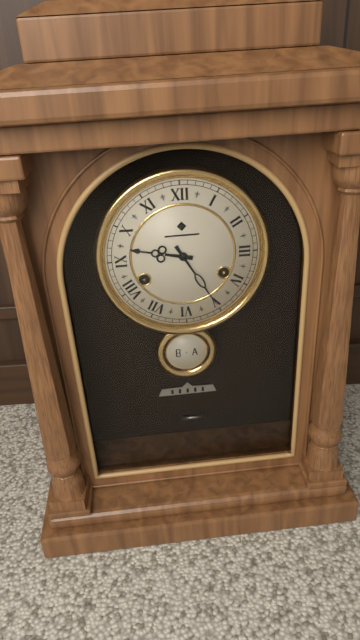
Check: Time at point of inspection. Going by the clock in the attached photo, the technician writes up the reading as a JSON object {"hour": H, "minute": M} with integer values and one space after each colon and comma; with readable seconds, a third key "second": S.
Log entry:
{"hour": 9, "minute": 25}
